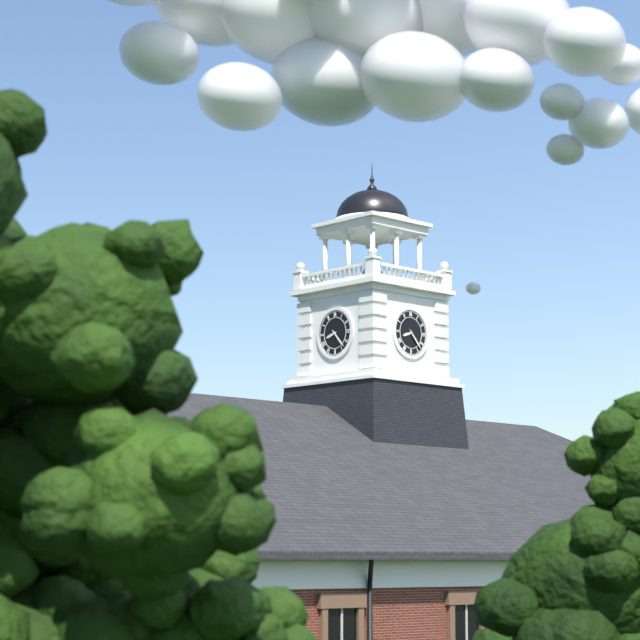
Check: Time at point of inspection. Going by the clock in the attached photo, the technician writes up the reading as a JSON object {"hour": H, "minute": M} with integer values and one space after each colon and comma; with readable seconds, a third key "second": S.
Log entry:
{"hour": 8, "minute": 23}
